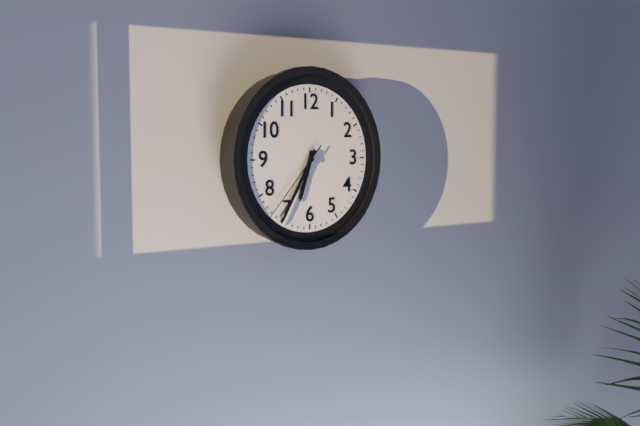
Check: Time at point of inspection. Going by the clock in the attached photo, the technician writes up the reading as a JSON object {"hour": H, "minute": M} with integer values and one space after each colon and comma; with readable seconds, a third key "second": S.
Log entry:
{"hour": 6, "minute": 35, "second": 37}
